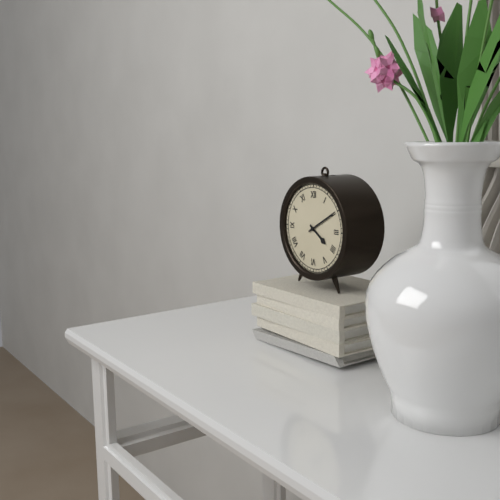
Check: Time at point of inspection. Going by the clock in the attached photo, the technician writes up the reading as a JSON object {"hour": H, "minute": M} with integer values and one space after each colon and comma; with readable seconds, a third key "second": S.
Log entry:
{"hour": 4, "minute": 10}
